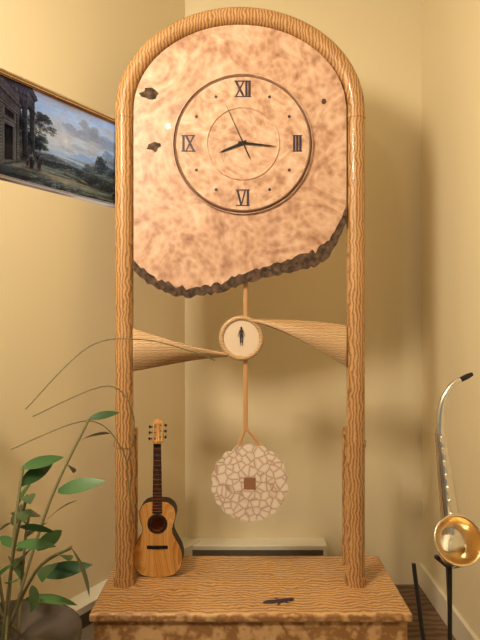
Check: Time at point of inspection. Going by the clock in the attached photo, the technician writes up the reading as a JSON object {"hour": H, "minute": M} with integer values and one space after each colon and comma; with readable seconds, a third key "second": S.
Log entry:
{"hour": 8, "minute": 16, "second": 56}
